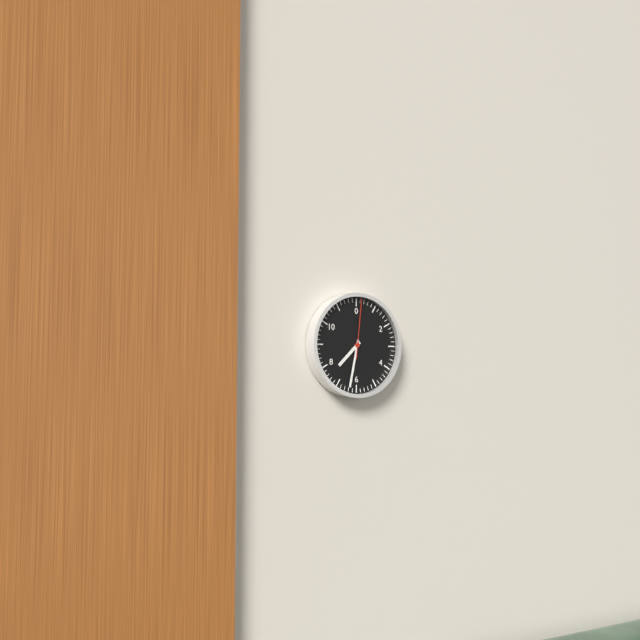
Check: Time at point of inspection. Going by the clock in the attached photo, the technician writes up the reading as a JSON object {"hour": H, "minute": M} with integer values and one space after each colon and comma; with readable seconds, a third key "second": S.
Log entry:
{"hour": 7, "minute": 32, "second": 1}
